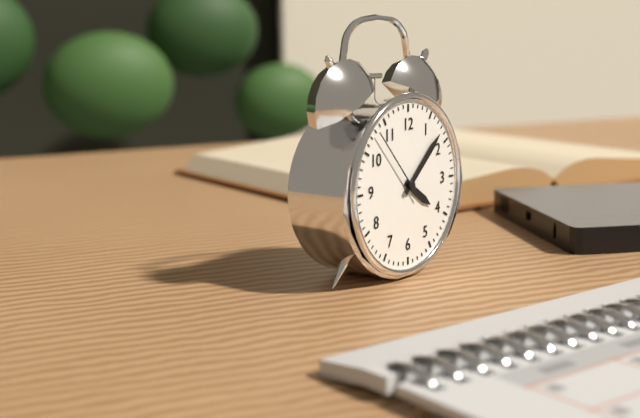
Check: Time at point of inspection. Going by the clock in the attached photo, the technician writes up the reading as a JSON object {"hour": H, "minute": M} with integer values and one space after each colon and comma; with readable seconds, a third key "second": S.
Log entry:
{"hour": 4, "minute": 8, "second": 53}
